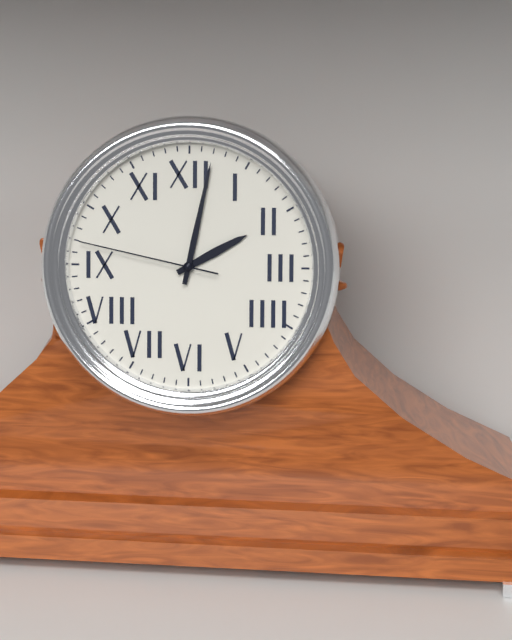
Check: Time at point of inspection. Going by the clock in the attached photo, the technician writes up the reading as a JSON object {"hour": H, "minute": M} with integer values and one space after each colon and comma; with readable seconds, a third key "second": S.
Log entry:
{"hour": 2, "minute": 2, "second": 47}
